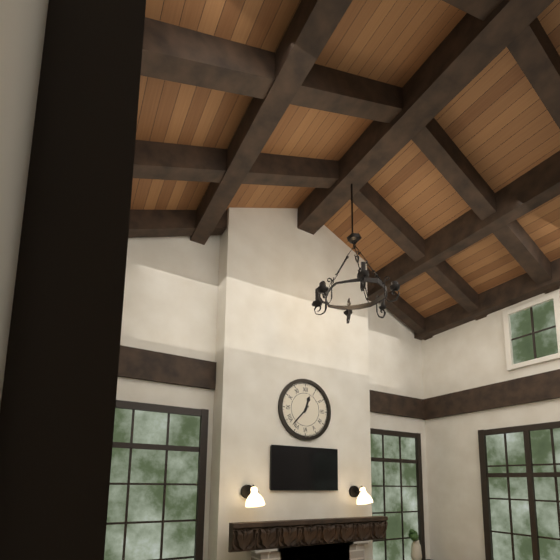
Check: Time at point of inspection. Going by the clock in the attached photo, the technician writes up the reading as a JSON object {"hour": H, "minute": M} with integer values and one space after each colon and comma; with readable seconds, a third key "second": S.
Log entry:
{"hour": 12, "minute": 37}
